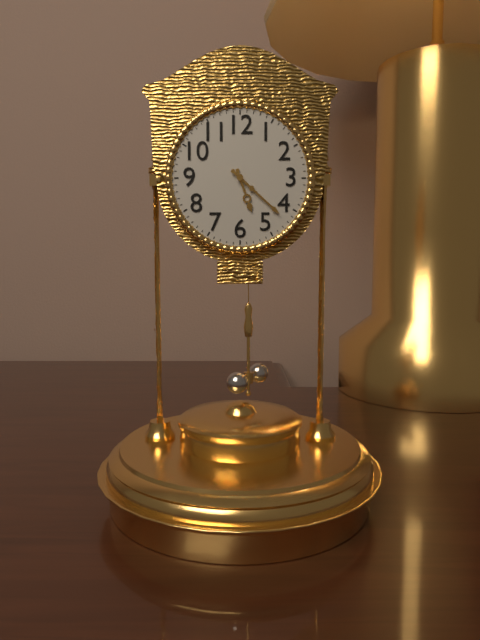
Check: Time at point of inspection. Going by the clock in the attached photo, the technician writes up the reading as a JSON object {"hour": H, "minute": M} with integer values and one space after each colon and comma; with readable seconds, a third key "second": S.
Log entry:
{"hour": 5, "minute": 22}
